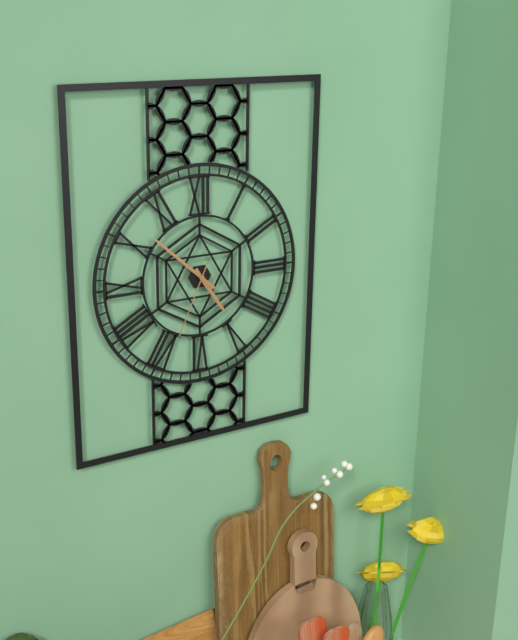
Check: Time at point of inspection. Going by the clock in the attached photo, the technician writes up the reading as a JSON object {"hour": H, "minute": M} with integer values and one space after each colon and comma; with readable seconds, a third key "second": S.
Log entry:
{"hour": 4, "minute": 52, "second": 34}
